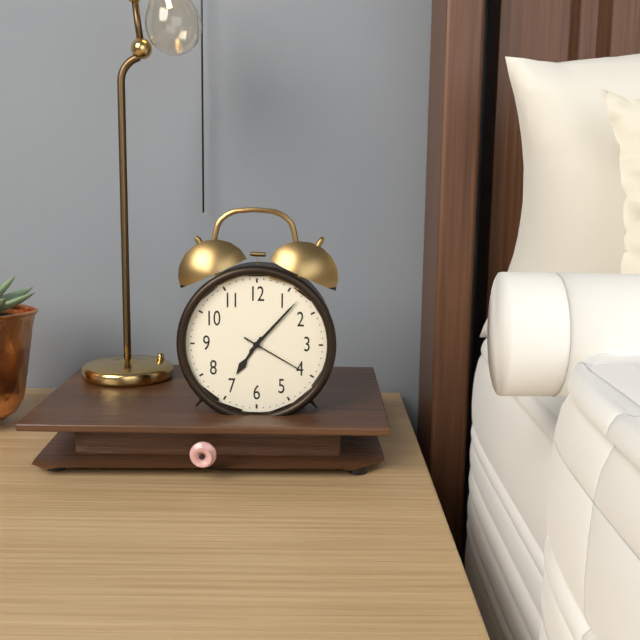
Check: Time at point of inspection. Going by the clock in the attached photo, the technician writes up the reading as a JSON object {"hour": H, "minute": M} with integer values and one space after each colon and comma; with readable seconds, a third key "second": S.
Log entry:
{"hour": 7, "minute": 7, "second": 20}
